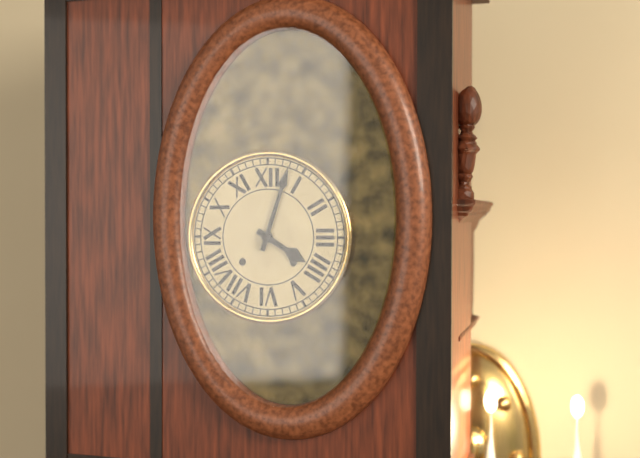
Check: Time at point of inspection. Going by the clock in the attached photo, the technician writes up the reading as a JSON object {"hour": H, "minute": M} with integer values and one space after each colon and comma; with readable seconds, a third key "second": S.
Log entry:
{"hour": 4, "minute": 3}
